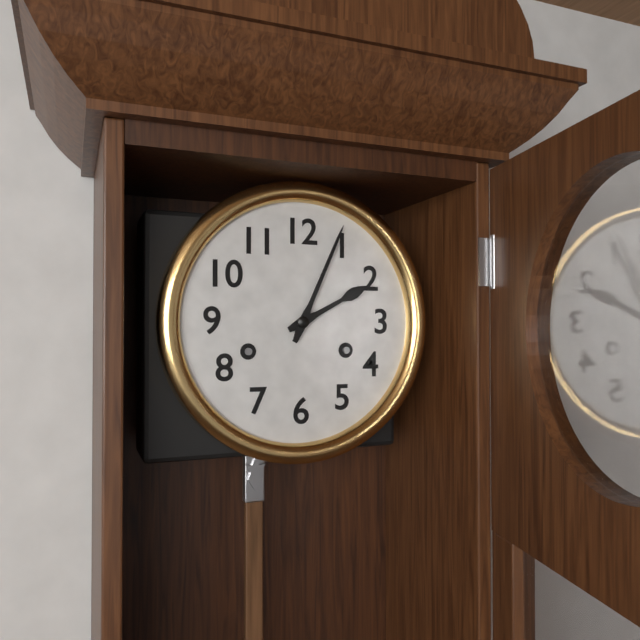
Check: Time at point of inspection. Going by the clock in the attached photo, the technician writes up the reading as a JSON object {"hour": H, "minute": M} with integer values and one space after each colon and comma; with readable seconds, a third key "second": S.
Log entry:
{"hour": 2, "minute": 4}
